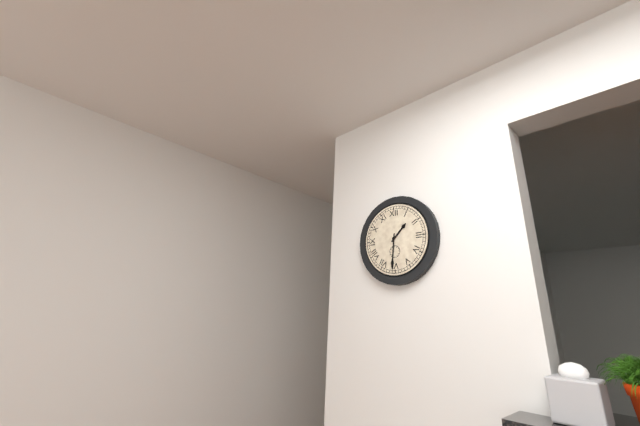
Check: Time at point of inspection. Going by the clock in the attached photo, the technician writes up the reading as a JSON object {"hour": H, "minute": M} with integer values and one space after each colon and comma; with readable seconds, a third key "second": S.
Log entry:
{"hour": 1, "minute": 31}
